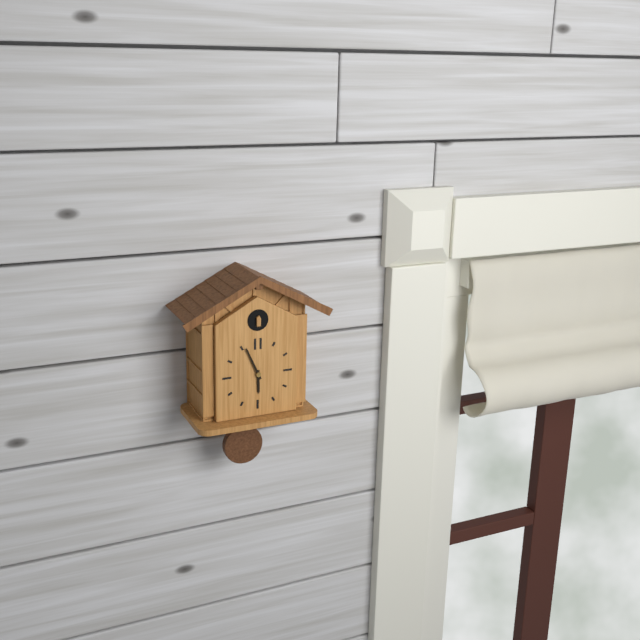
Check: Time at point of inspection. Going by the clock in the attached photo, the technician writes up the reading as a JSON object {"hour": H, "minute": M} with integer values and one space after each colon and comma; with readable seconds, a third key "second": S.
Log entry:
{"hour": 5, "minute": 56}
